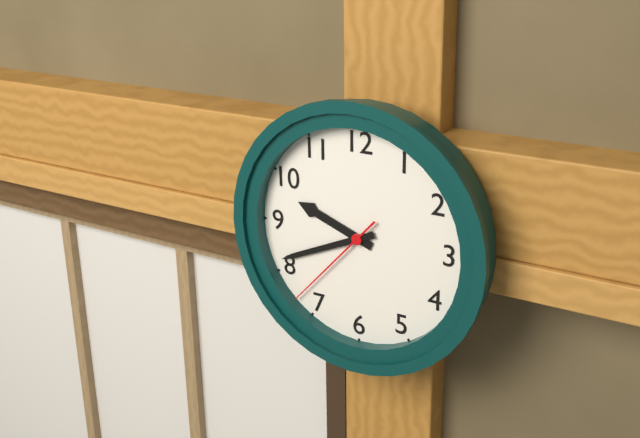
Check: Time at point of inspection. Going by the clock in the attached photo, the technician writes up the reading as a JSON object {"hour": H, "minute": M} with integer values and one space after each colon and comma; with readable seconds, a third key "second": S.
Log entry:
{"hour": 9, "minute": 41, "second": 37}
